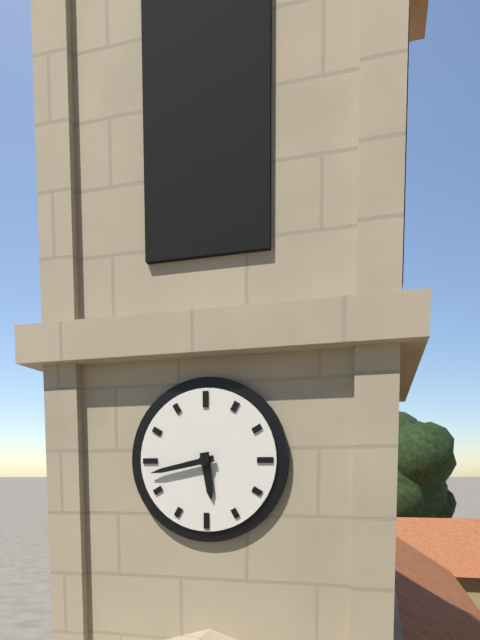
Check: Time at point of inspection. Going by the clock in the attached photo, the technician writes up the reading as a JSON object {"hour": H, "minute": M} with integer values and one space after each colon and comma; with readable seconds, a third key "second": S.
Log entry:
{"hour": 5, "minute": 43}
